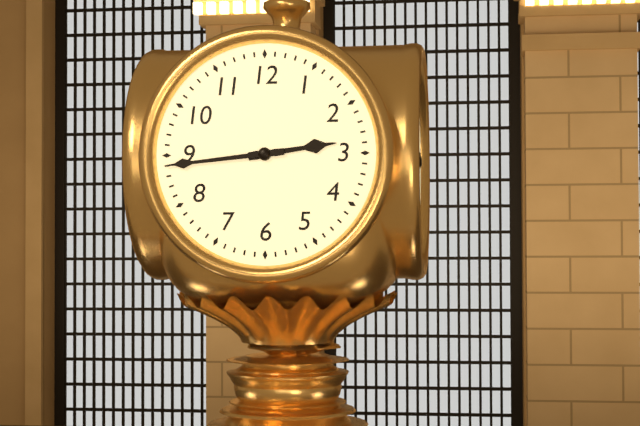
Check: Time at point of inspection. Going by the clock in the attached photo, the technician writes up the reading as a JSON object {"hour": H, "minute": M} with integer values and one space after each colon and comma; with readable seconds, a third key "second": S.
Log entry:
{"hour": 2, "minute": 44}
